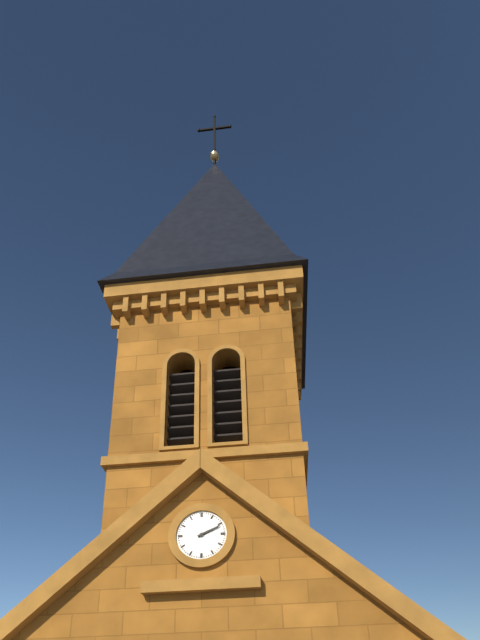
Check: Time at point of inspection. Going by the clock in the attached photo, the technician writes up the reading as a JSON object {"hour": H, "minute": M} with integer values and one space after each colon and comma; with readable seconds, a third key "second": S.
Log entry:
{"hour": 2, "minute": 11}
